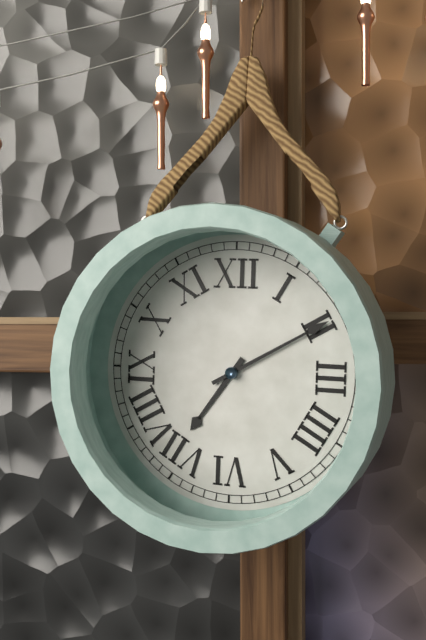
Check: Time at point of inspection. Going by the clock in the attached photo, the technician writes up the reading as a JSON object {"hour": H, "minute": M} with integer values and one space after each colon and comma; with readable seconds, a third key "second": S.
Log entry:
{"hour": 7, "minute": 10}
